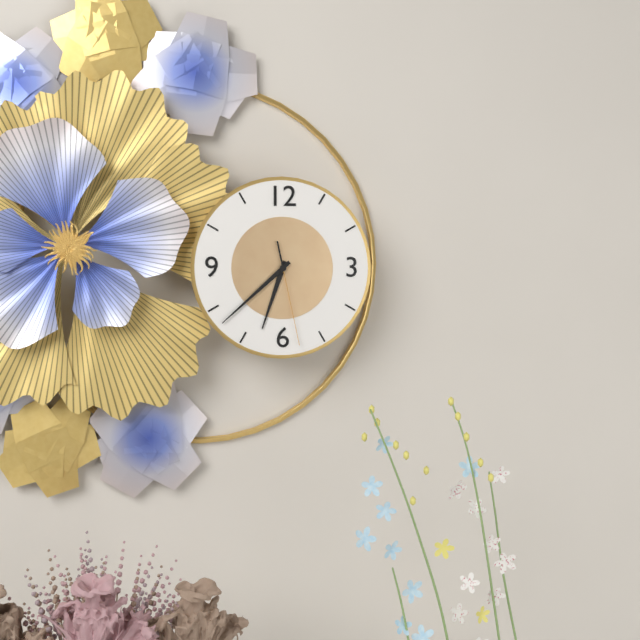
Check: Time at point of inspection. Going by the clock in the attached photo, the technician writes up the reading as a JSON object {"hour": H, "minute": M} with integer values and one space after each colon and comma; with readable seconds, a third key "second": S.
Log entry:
{"hour": 6, "minute": 38, "second": 28}
